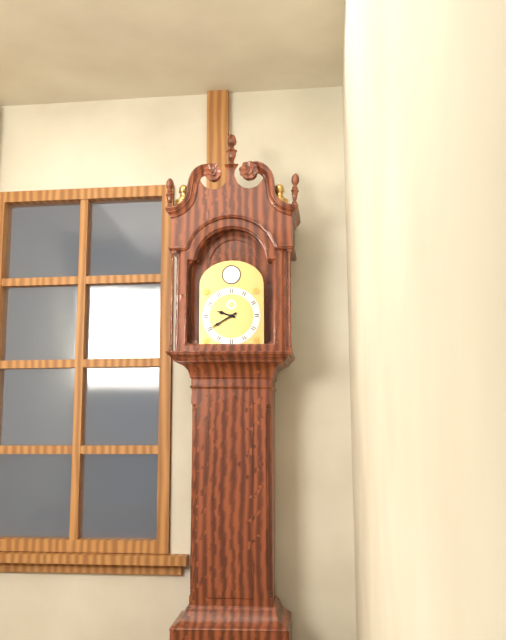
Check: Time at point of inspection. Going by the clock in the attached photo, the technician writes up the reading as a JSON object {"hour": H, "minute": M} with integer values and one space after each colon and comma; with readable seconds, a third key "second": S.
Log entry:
{"hour": 9, "minute": 40}
